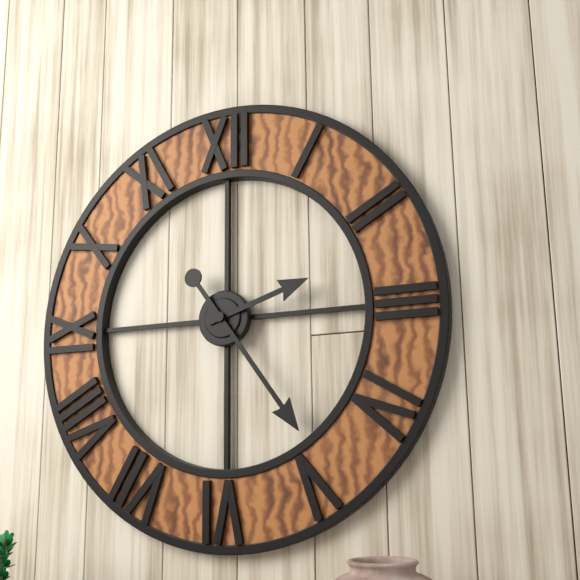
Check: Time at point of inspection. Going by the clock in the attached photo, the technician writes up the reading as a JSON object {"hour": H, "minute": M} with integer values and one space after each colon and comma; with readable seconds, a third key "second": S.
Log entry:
{"hour": 2, "minute": 24}
